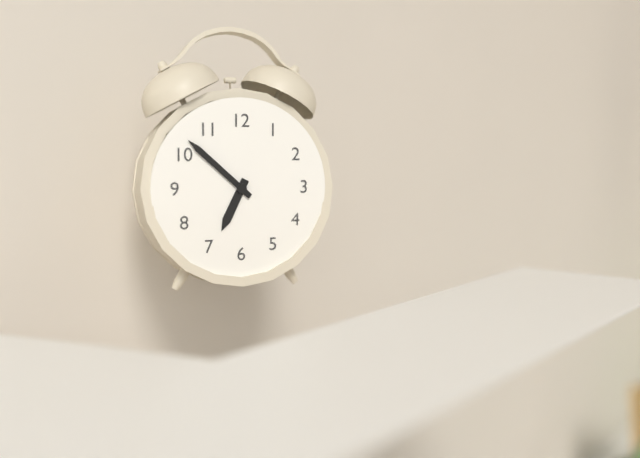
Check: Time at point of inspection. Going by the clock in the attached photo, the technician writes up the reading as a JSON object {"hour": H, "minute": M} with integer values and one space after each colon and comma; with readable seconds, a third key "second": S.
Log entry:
{"hour": 6, "minute": 52}
